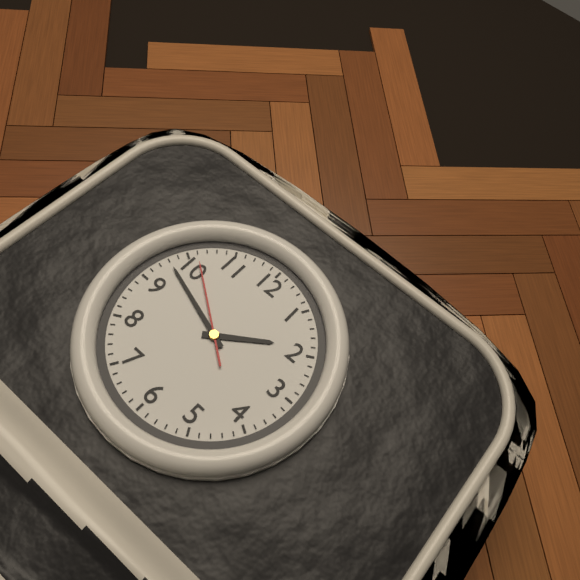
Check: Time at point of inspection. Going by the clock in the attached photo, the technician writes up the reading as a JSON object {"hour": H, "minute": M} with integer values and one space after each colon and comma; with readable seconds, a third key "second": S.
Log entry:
{"hour": 1, "minute": 48, "second": 51}
